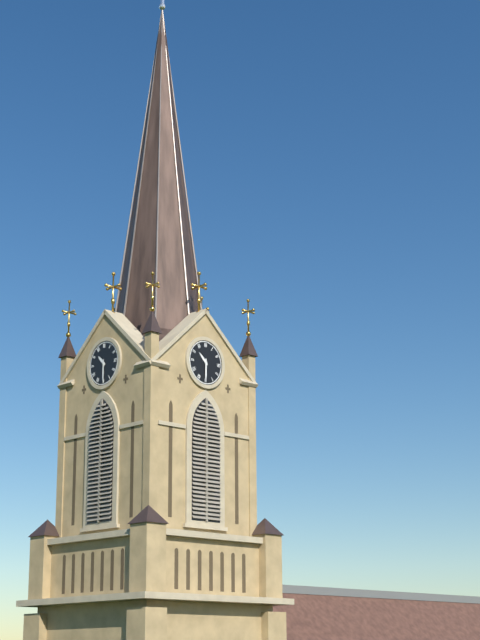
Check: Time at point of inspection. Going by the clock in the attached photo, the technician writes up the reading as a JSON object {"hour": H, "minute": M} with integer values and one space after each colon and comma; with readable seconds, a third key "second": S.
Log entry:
{"hour": 10, "minute": 30}
